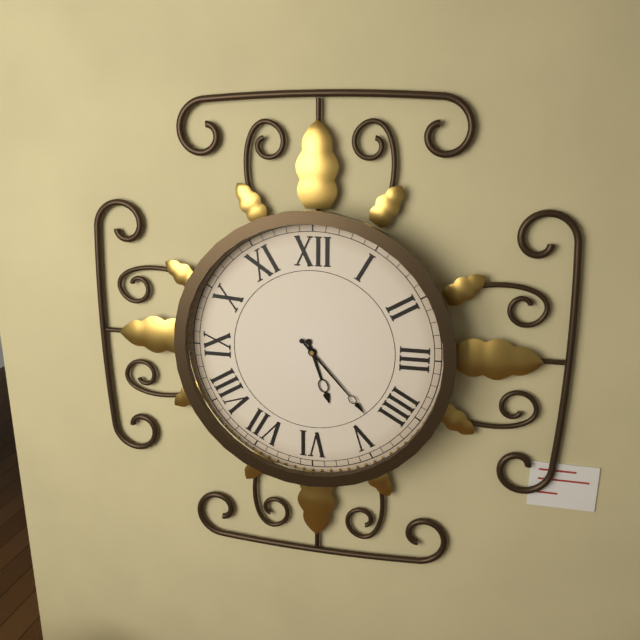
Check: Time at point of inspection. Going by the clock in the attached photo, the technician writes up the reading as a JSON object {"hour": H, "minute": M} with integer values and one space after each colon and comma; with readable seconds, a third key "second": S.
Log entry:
{"hour": 5, "minute": 23}
